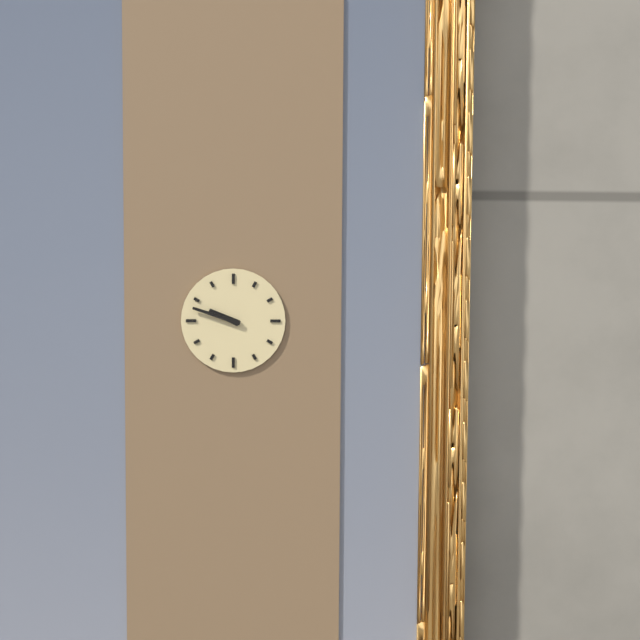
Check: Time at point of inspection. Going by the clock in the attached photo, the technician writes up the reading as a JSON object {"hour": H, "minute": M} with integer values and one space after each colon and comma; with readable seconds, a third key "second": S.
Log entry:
{"hour": 9, "minute": 48}
